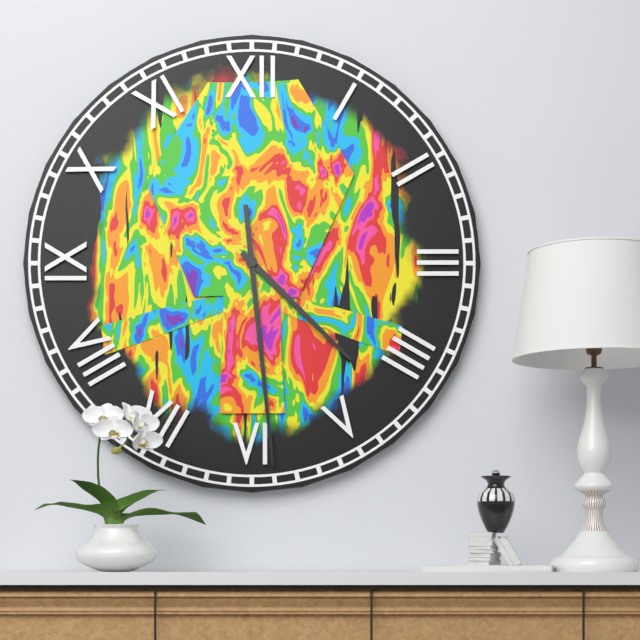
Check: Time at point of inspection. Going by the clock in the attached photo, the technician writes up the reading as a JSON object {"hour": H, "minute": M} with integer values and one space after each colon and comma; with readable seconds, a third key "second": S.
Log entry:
{"hour": 4, "minute": 29}
